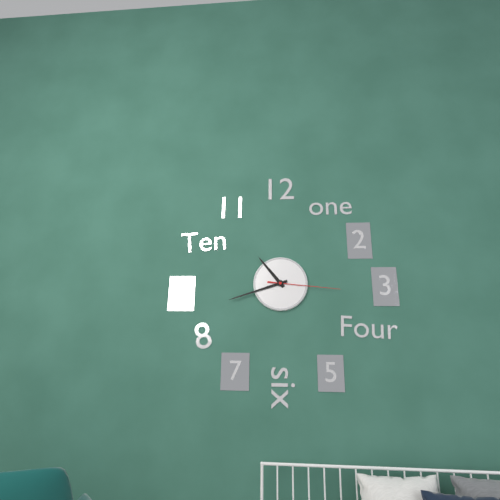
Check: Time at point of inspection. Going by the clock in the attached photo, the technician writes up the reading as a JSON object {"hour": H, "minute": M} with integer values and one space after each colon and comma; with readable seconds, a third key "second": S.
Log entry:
{"hour": 10, "minute": 42, "second": 16}
